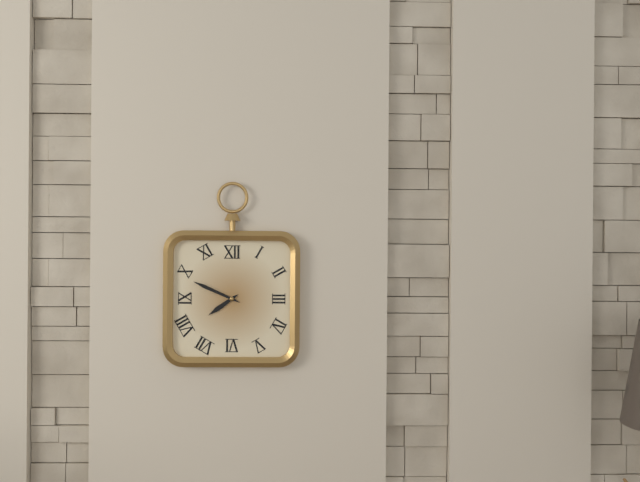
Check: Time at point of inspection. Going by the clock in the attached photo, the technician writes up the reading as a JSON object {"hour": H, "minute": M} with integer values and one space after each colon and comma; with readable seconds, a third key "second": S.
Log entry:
{"hour": 7, "minute": 49}
